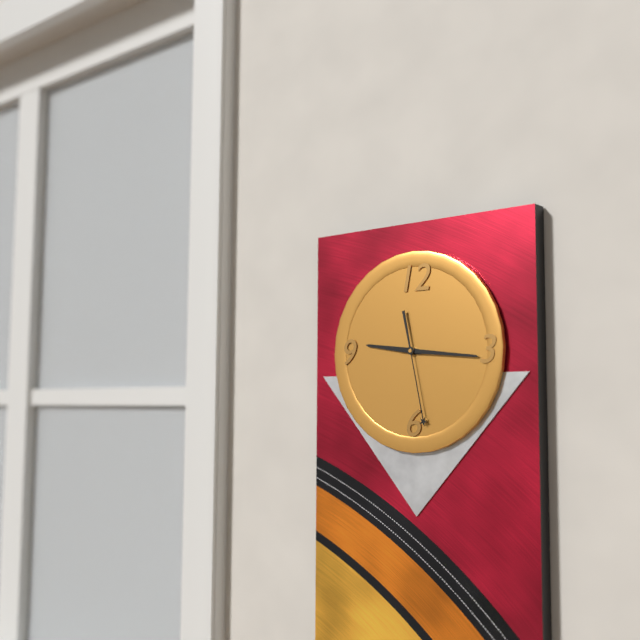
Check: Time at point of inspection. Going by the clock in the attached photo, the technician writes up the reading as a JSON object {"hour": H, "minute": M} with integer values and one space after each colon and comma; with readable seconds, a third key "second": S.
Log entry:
{"hour": 9, "minute": 16, "second": 28}
